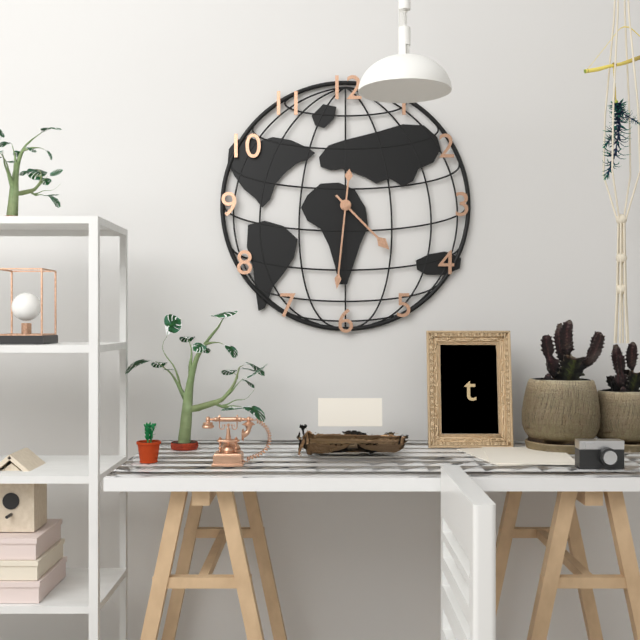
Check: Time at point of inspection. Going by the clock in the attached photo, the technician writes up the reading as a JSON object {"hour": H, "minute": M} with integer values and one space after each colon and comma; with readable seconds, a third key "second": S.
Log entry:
{"hour": 4, "minute": 31}
